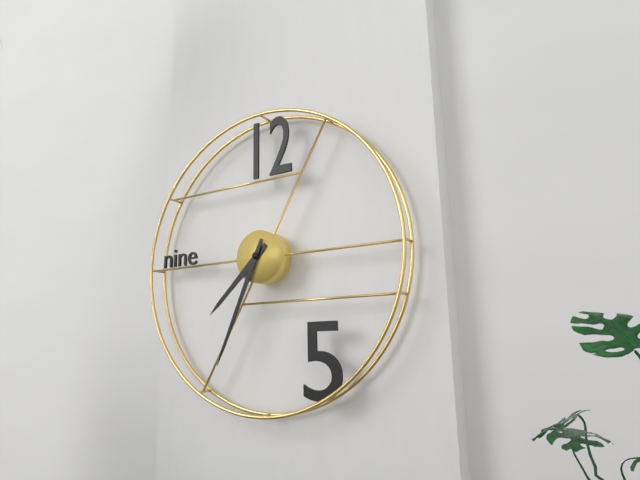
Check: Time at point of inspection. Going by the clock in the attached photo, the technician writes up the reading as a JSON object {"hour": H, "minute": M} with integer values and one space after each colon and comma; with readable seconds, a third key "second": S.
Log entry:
{"hour": 7, "minute": 34}
